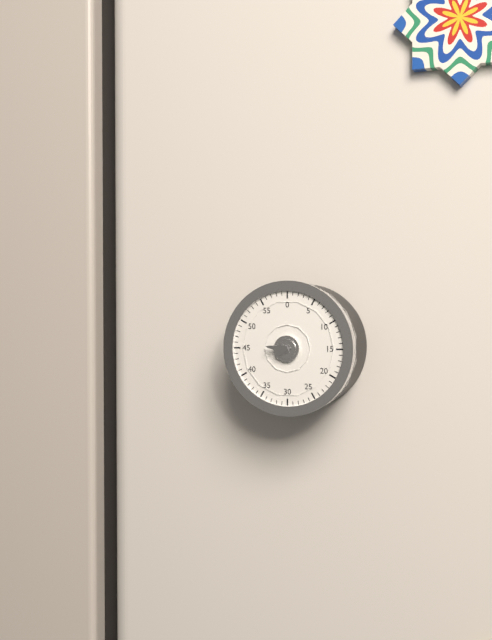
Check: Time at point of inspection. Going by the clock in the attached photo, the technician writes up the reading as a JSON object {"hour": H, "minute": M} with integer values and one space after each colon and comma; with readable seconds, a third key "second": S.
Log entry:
{"hour": 7, "minute": 46}
